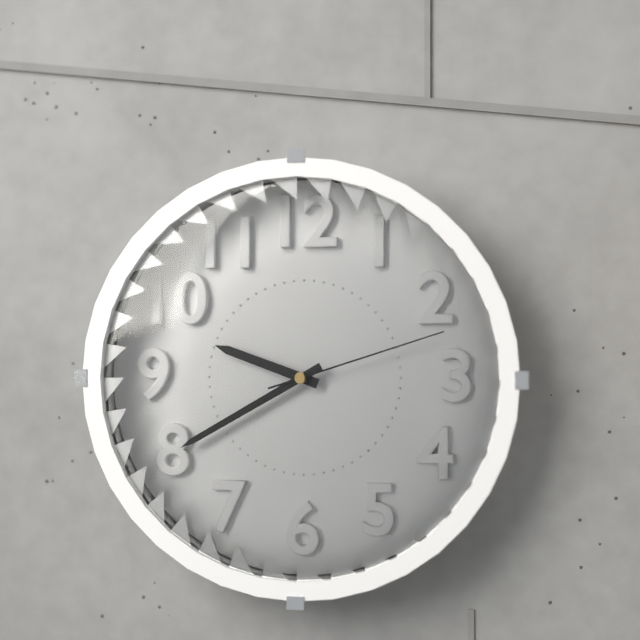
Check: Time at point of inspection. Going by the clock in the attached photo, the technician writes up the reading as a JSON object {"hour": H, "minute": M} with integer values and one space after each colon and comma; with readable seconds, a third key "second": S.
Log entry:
{"hour": 9, "minute": 40, "second": 12}
